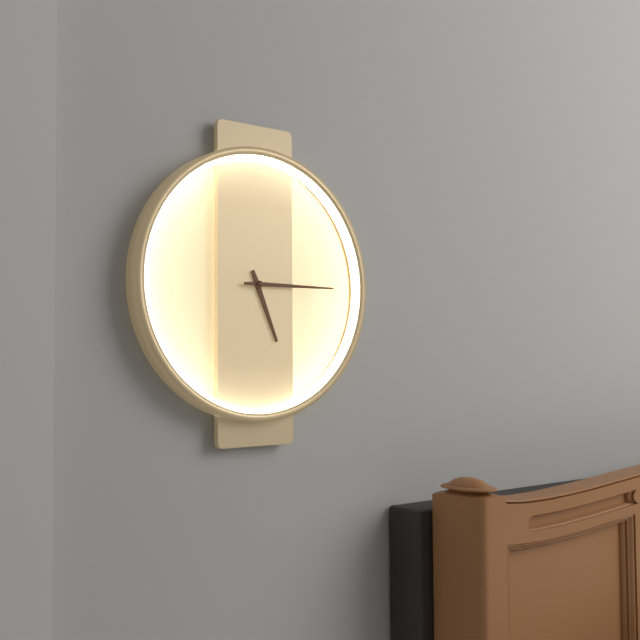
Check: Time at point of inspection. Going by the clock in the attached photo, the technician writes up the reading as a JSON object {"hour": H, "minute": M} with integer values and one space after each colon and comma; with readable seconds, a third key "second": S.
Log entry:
{"hour": 5, "minute": 15}
